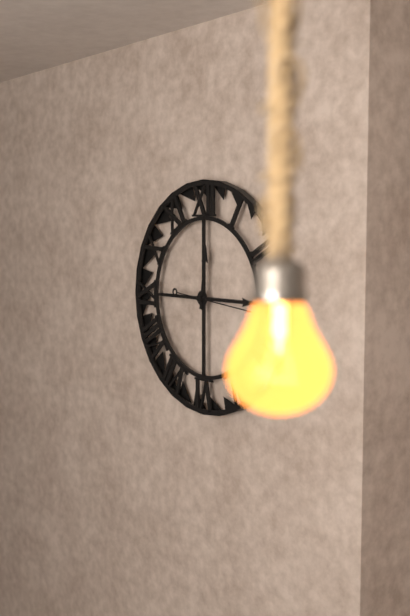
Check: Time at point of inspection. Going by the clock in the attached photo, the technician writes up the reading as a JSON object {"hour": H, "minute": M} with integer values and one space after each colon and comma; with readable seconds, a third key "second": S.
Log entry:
{"hour": 12, "minute": 15, "second": 16}
